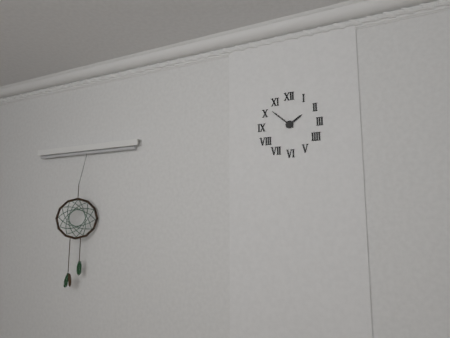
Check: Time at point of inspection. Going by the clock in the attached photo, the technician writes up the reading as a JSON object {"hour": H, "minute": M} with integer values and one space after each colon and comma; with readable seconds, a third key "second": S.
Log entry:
{"hour": 1, "minute": 52}
